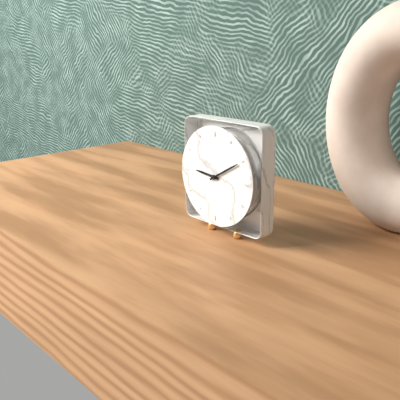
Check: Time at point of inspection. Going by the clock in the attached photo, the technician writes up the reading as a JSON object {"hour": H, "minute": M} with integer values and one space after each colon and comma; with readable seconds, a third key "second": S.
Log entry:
{"hour": 9, "minute": 10}
